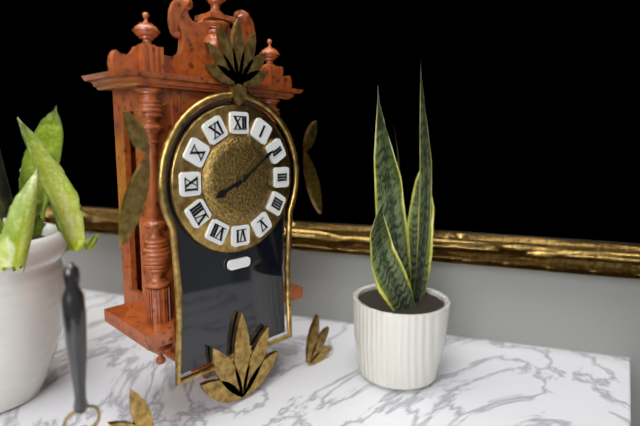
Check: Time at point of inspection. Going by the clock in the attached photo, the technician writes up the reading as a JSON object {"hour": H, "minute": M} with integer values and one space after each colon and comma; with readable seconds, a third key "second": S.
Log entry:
{"hour": 8, "minute": 9}
